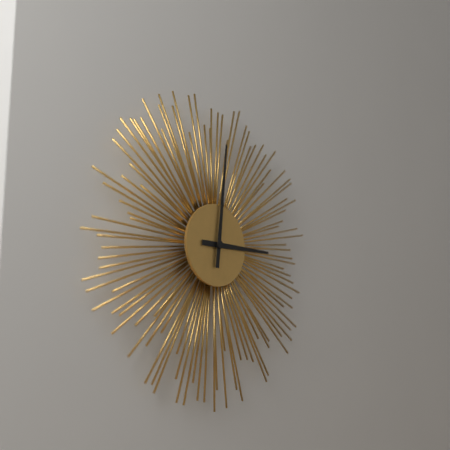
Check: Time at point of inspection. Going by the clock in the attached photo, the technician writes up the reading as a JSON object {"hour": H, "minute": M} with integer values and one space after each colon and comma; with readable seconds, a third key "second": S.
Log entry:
{"hour": 3, "minute": 1}
